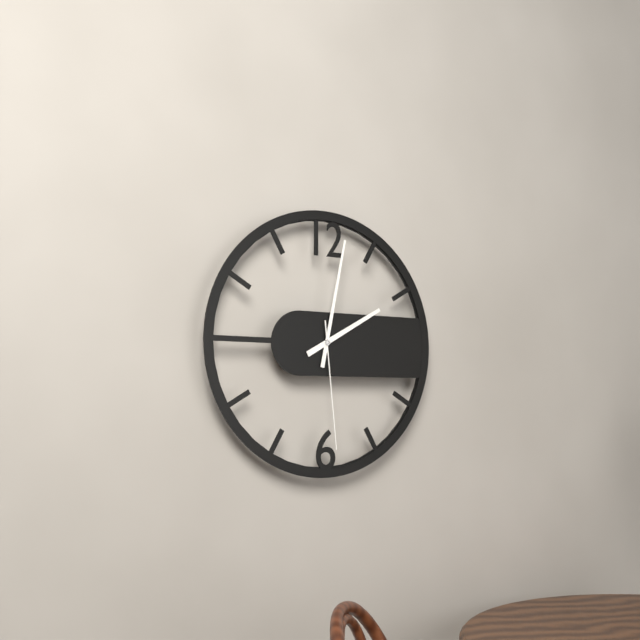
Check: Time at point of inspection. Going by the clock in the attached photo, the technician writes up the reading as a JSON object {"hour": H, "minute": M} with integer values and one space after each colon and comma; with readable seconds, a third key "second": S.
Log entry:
{"hour": 2, "minute": 2, "second": 29}
